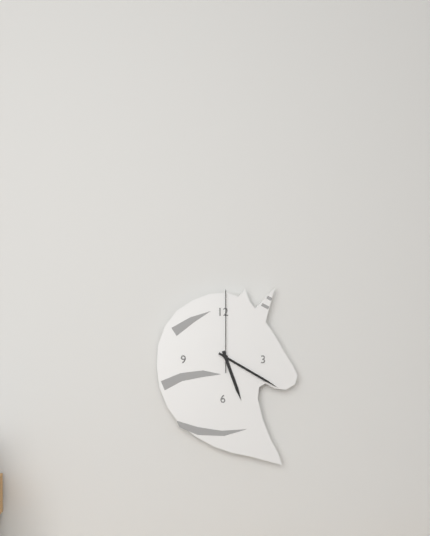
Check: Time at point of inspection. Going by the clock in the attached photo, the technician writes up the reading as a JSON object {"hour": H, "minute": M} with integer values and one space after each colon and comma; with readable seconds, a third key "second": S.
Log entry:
{"hour": 5, "minute": 20, "second": 0}
